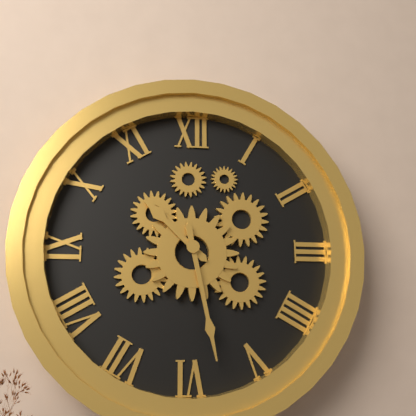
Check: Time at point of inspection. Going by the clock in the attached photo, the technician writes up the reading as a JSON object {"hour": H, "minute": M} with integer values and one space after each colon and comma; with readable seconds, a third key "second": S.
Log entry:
{"hour": 10, "minute": 28}
